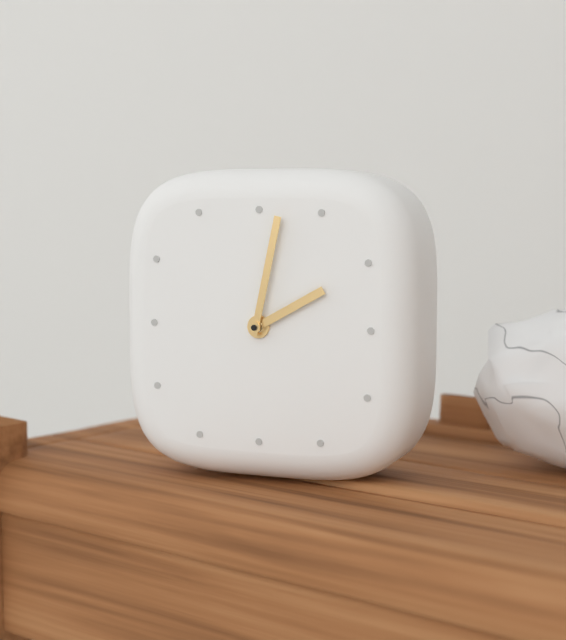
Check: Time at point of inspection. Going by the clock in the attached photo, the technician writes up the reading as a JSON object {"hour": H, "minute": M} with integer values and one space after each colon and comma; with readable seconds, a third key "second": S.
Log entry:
{"hour": 2, "minute": 2}
